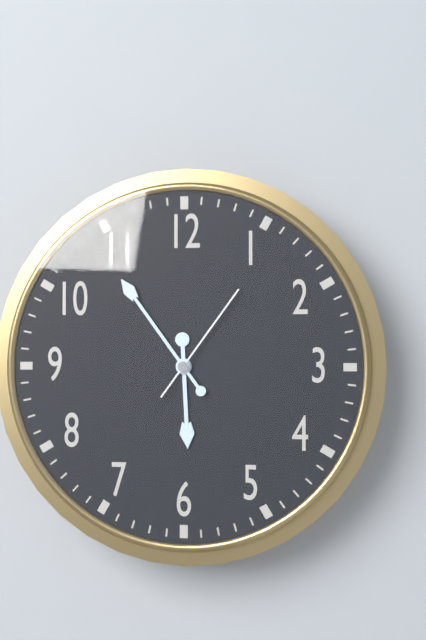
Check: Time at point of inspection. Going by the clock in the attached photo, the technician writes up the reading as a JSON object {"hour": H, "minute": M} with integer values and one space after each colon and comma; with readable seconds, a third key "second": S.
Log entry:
{"hour": 5, "minute": 54, "second": 6}
